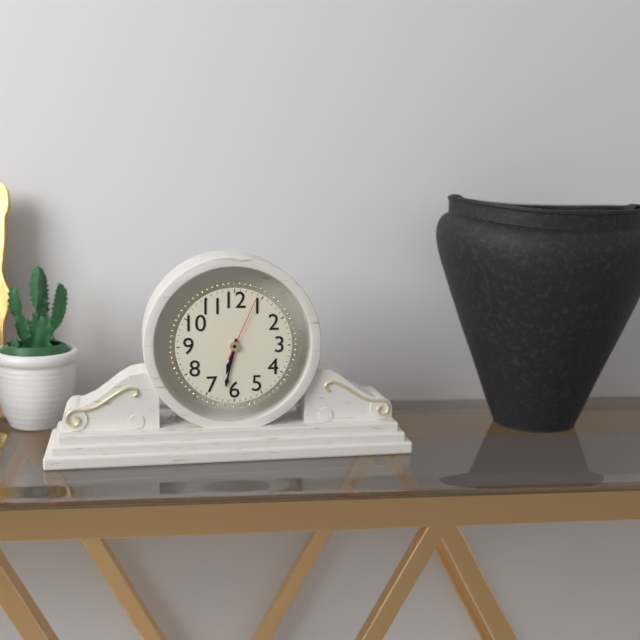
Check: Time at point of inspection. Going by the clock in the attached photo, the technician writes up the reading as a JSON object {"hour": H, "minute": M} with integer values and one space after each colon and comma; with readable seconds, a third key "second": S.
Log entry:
{"hour": 6, "minute": 32, "second": 4}
